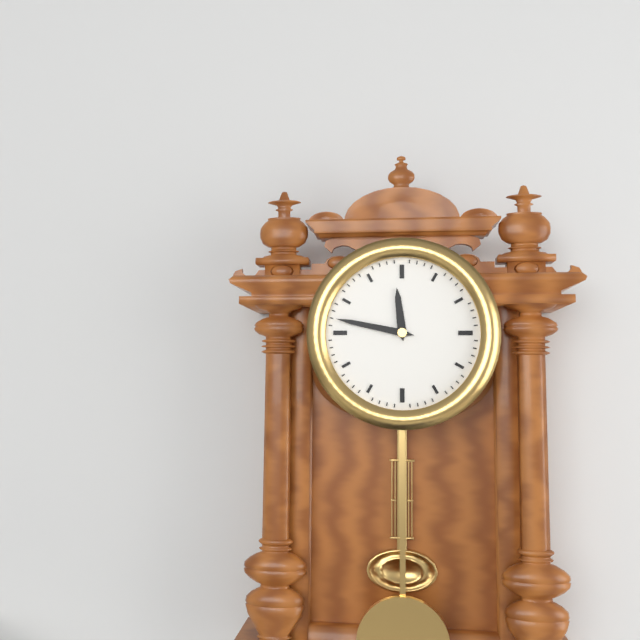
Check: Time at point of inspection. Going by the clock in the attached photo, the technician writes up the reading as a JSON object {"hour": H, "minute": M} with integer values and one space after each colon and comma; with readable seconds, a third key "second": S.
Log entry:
{"hour": 11, "minute": 47}
